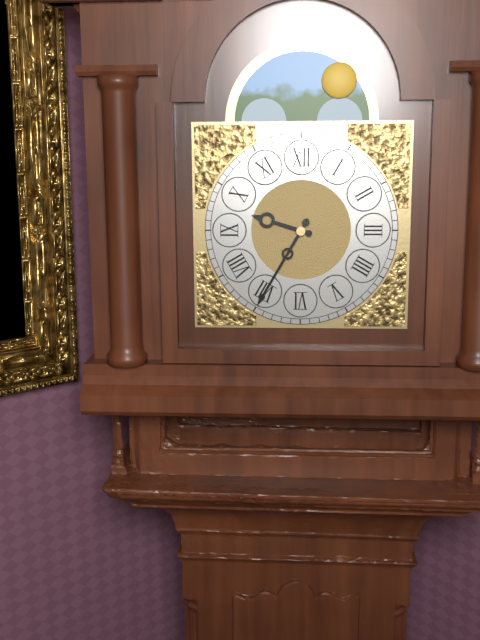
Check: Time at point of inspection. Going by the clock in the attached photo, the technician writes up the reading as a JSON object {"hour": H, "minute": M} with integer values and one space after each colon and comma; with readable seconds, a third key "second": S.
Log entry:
{"hour": 9, "minute": 35}
